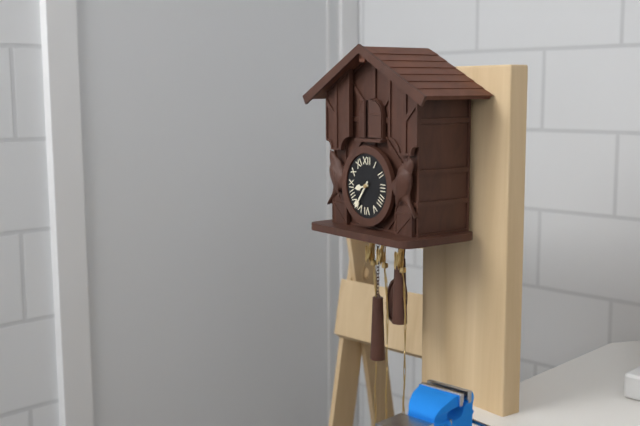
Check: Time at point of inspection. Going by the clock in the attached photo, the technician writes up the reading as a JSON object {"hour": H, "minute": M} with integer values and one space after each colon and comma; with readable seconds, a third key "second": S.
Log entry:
{"hour": 8, "minute": 36}
